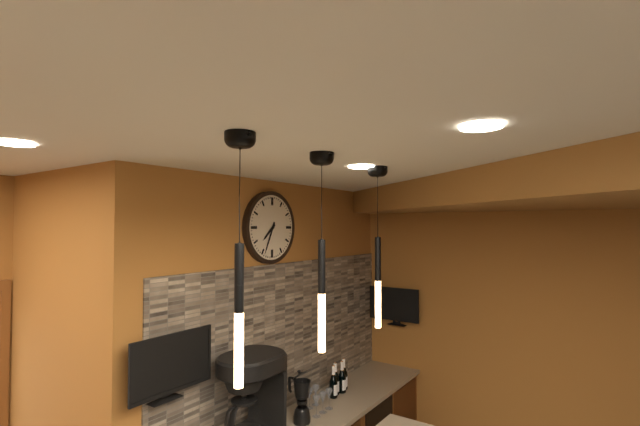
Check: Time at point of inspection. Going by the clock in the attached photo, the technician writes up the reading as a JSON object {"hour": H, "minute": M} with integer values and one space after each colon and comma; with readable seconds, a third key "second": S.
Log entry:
{"hour": 7, "minute": 34}
